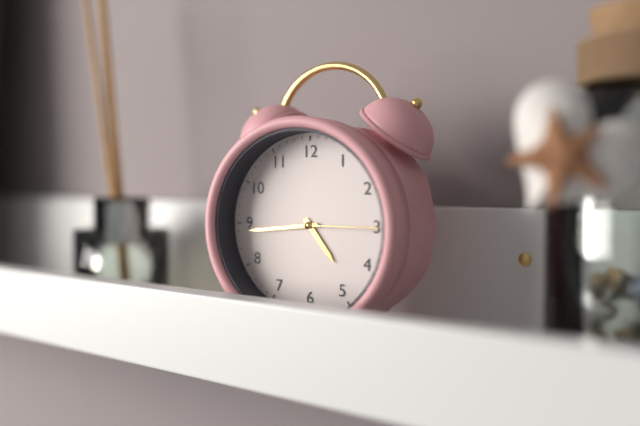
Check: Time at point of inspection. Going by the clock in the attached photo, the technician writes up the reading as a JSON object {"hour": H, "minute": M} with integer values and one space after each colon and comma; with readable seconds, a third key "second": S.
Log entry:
{"hour": 4, "minute": 44, "second": 15}
